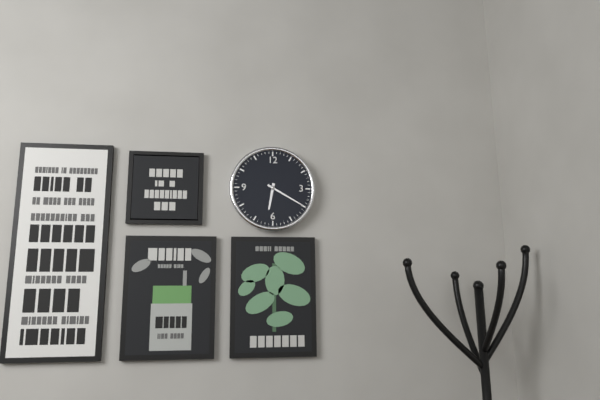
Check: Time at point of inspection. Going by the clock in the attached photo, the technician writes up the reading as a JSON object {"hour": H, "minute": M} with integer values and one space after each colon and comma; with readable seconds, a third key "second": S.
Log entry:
{"hour": 6, "minute": 20}
